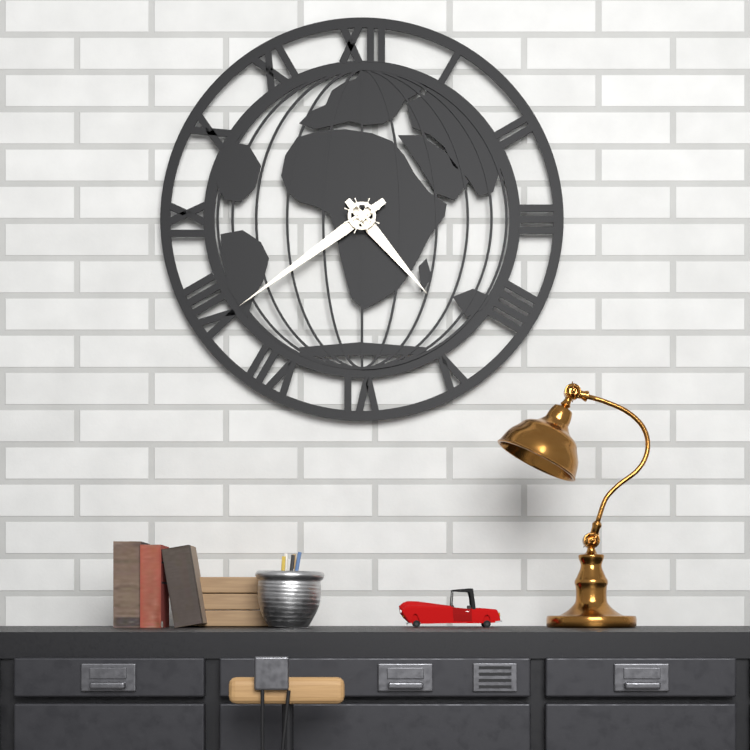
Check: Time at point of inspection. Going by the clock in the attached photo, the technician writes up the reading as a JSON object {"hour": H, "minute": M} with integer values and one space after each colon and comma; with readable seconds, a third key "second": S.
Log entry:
{"hour": 4, "minute": 39}
